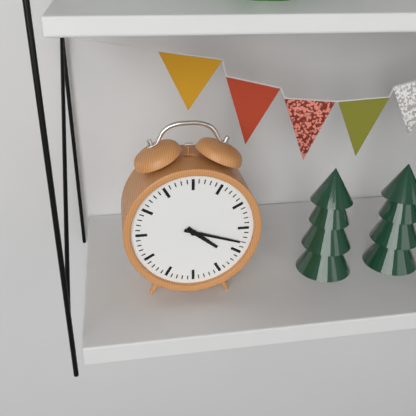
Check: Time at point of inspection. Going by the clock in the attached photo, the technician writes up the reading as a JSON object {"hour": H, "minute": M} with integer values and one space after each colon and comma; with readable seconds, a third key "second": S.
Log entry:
{"hour": 4, "minute": 18}
